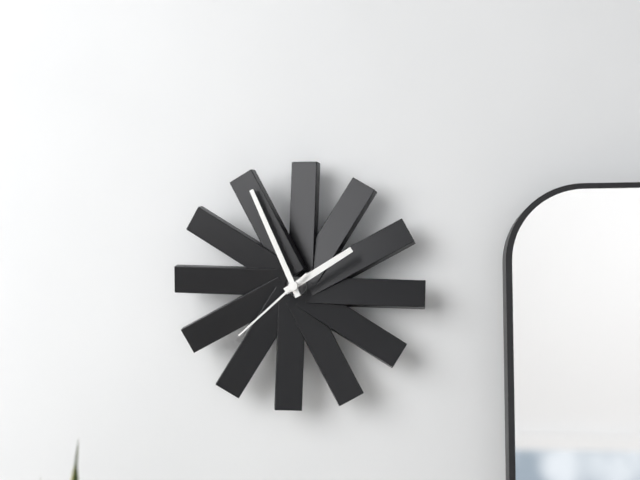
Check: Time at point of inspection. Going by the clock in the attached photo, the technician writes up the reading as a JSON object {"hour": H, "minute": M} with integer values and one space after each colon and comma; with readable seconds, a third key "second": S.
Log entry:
{"hour": 1, "minute": 56, "second": 38}
